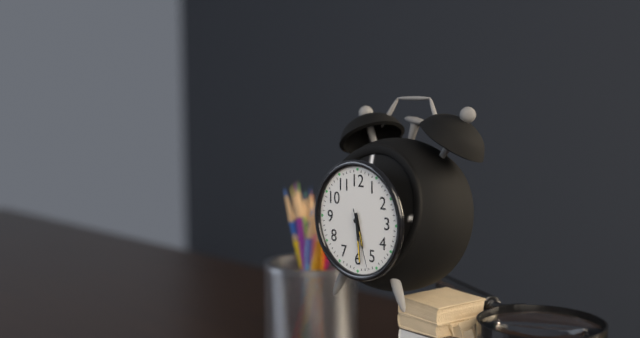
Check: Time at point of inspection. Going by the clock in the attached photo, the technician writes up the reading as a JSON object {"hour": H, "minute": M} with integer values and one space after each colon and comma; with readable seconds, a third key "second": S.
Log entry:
{"hour": 5, "minute": 29, "second": 27}
